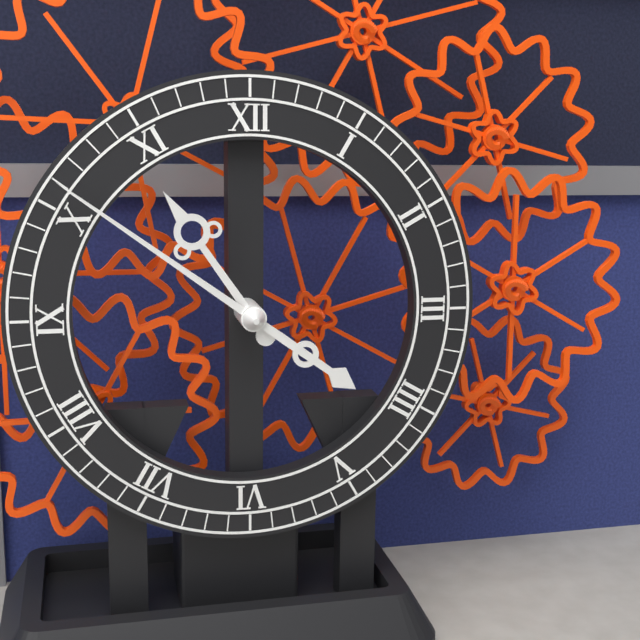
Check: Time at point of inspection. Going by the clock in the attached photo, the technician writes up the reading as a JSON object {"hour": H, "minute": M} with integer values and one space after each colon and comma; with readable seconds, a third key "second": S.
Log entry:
{"hour": 10, "minute": 51}
